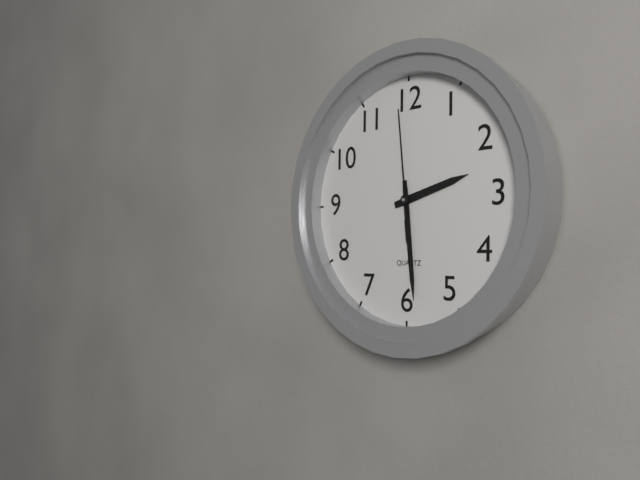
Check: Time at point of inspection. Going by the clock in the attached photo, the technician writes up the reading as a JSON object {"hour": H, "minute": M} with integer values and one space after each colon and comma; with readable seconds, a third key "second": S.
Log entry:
{"hour": 2, "minute": 29, "second": 59}
